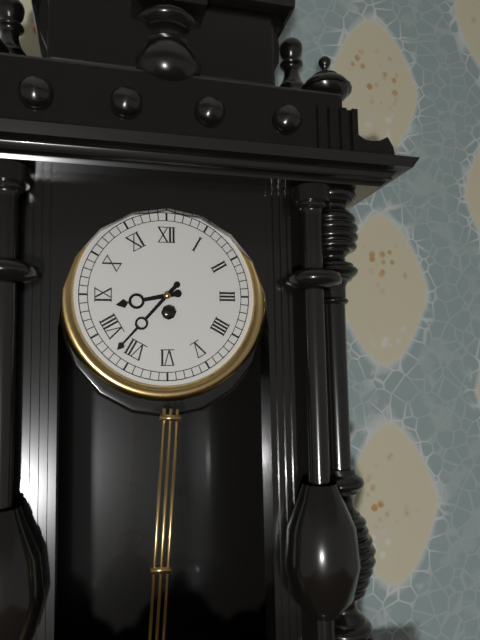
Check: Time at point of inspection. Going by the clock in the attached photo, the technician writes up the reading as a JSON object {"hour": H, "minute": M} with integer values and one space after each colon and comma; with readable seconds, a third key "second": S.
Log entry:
{"hour": 8, "minute": 37}
